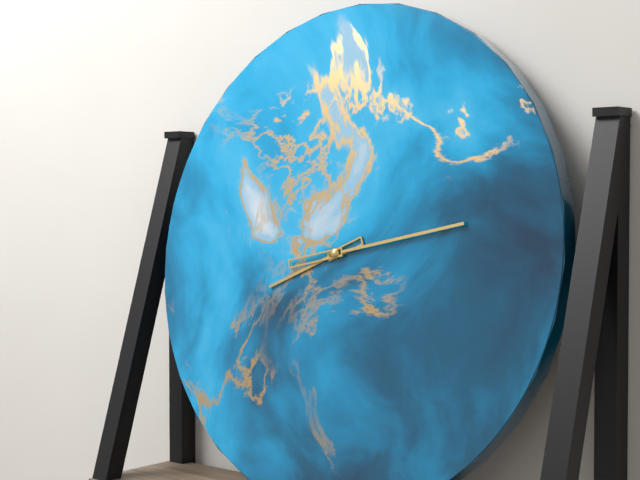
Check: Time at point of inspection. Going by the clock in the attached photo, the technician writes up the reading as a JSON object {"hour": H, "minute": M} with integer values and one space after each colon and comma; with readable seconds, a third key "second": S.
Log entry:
{"hour": 8, "minute": 13}
